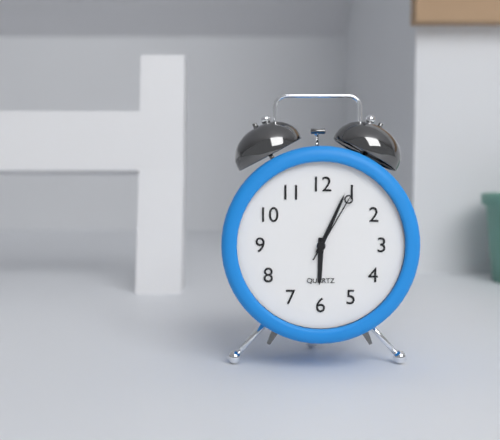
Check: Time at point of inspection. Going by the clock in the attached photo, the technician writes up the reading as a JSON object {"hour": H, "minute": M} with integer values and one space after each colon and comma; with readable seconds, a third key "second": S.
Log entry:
{"hour": 6, "minute": 4, "second": 5}
